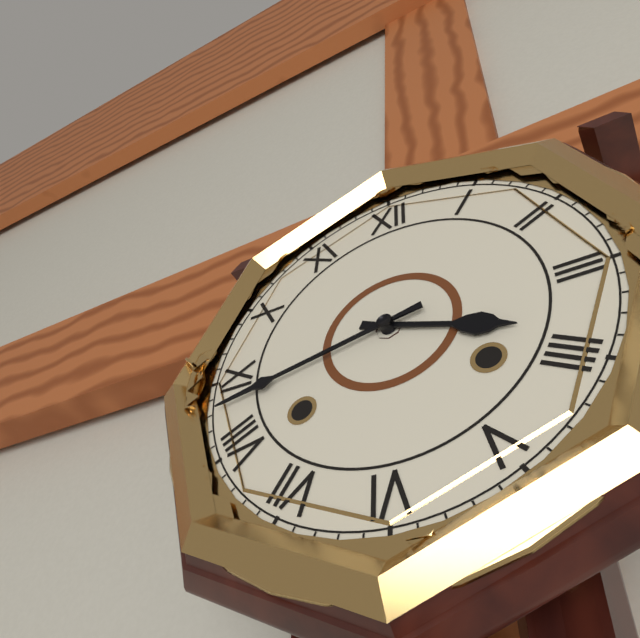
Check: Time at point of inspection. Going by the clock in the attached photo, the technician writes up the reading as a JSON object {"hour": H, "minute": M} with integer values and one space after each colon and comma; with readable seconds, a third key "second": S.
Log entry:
{"hour": 3, "minute": 43}
